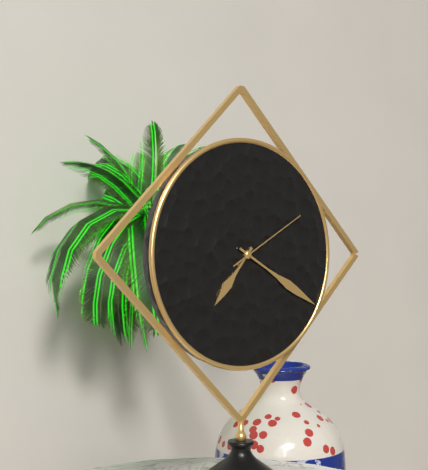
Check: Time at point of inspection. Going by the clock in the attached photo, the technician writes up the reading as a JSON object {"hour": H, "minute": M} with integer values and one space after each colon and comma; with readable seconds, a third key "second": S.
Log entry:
{"hour": 7, "minute": 20, "second": 10}
